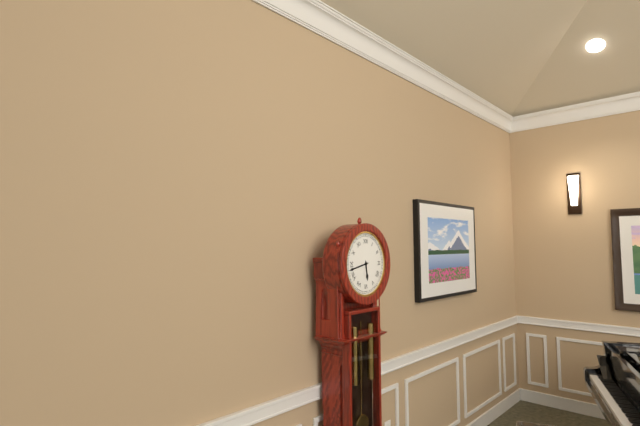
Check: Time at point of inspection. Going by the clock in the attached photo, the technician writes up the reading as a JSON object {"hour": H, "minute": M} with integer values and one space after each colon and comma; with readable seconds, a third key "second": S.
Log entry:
{"hour": 5, "minute": 43}
